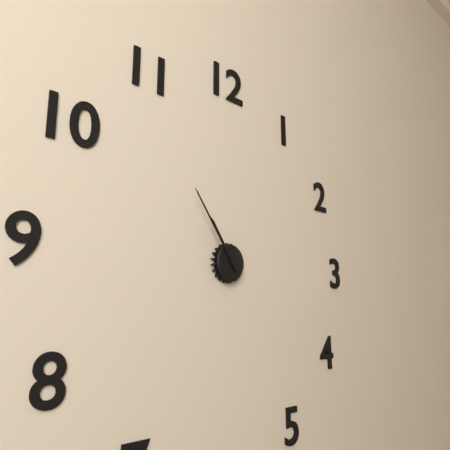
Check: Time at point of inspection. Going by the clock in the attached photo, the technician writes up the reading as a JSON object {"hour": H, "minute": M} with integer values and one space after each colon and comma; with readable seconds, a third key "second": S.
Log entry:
{"hour": 10, "minute": 54}
